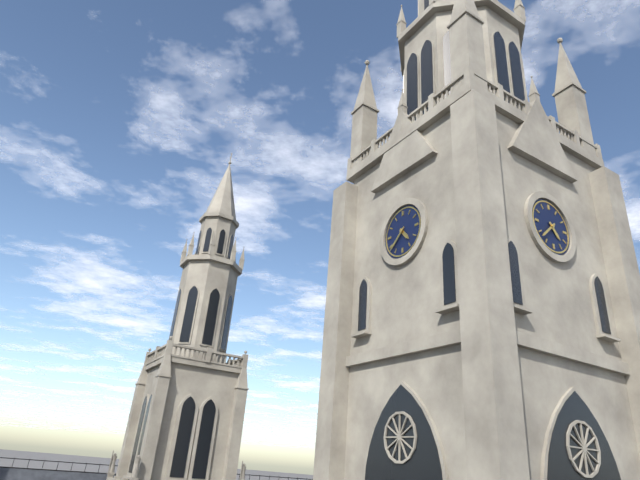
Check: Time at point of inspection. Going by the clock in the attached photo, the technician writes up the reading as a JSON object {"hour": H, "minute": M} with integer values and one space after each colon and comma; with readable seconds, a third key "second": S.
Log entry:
{"hour": 4, "minute": 38}
